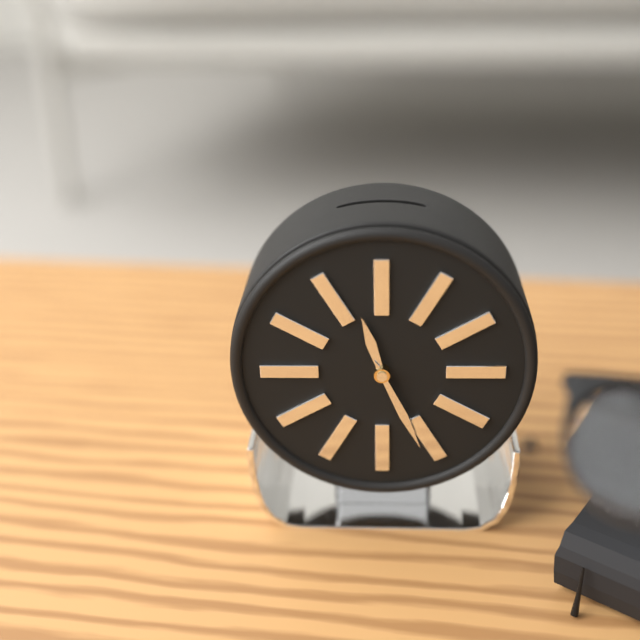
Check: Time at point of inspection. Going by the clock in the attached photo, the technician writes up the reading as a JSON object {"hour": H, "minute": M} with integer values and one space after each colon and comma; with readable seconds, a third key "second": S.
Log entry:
{"hour": 11, "minute": 26}
